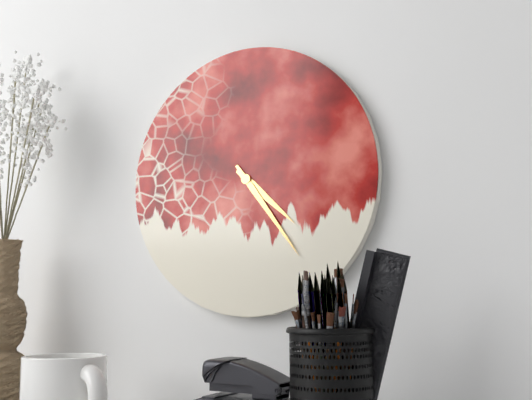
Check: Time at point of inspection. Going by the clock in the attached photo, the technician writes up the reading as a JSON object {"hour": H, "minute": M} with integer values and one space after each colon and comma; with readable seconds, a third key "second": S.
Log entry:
{"hour": 4, "minute": 24}
